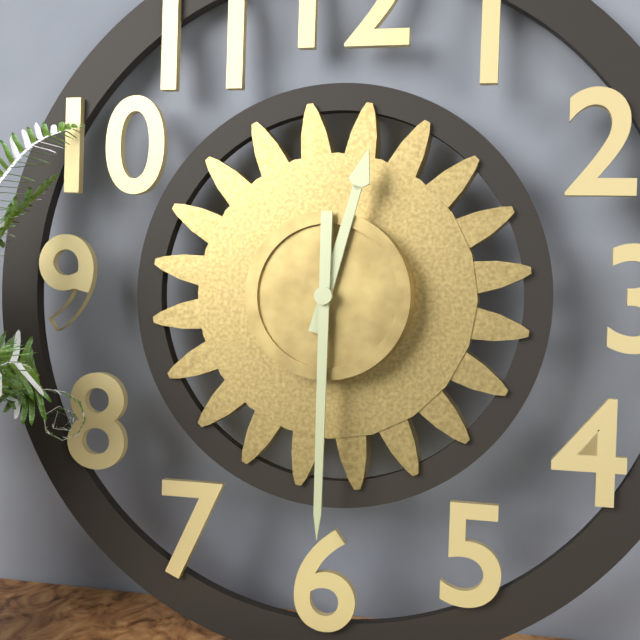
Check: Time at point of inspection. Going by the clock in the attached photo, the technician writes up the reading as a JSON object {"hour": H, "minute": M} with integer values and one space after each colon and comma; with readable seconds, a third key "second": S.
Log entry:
{"hour": 12, "minute": 30}
